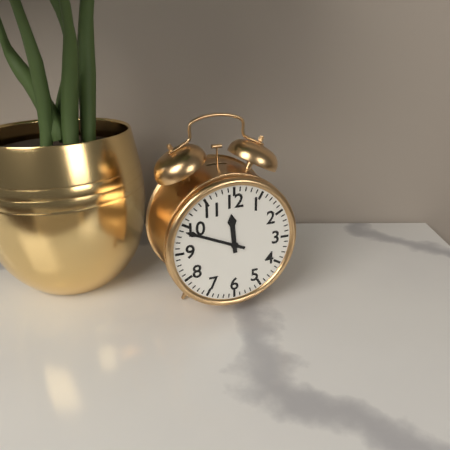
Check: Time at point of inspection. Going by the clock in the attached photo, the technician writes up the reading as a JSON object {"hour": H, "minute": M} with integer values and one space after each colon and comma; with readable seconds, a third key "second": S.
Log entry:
{"hour": 11, "minute": 49}
